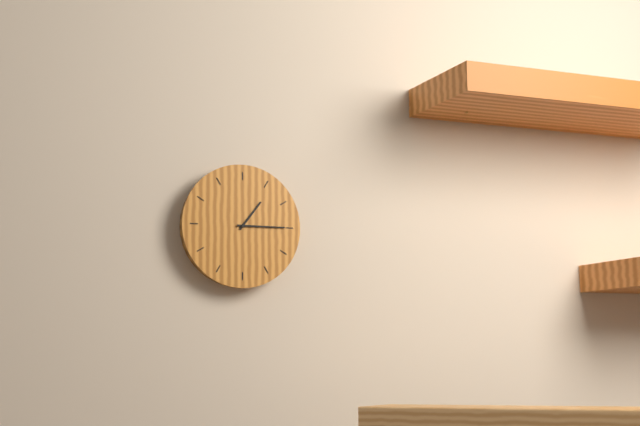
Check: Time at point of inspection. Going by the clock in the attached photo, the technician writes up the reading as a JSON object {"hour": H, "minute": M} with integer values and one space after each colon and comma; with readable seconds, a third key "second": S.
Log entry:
{"hour": 1, "minute": 15}
